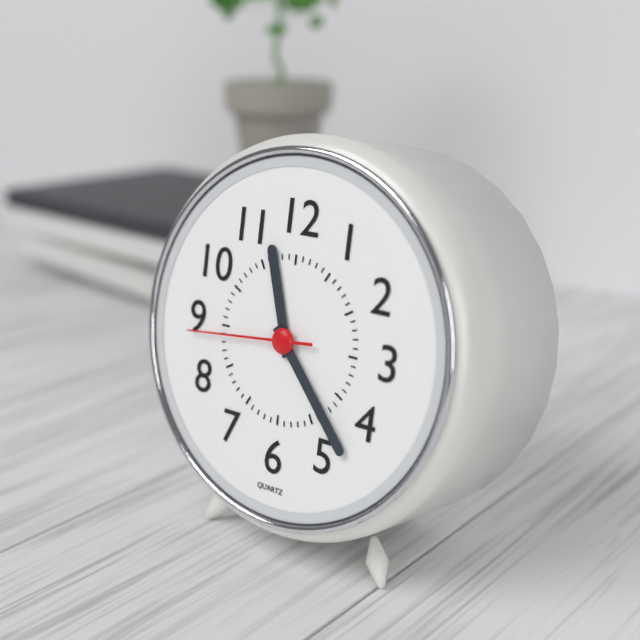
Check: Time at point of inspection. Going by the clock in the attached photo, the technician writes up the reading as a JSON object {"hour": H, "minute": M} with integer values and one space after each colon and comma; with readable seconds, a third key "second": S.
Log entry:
{"hour": 11, "minute": 23, "second": 44}
